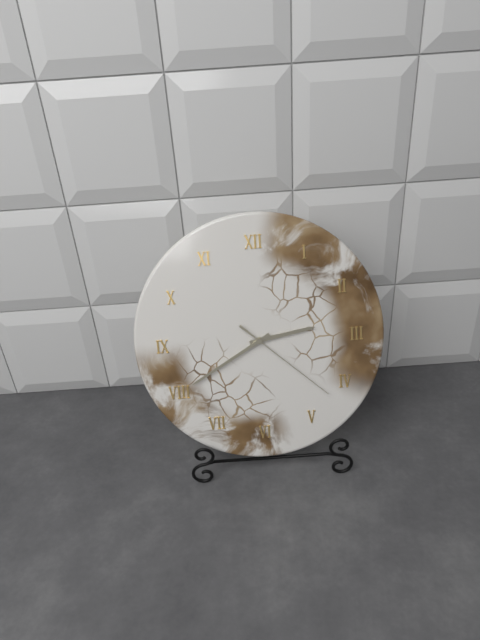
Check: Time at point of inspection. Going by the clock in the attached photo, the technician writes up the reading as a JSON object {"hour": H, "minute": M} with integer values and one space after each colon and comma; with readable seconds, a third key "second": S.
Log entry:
{"hour": 2, "minute": 40, "second": 22}
